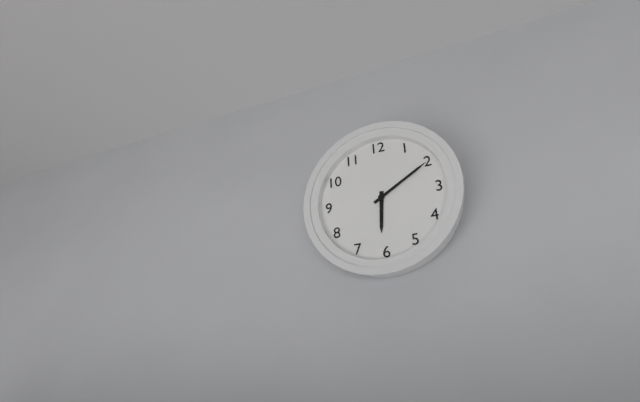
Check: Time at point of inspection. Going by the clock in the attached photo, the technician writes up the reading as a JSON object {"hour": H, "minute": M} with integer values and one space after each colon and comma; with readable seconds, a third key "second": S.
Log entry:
{"hour": 6, "minute": 10}
